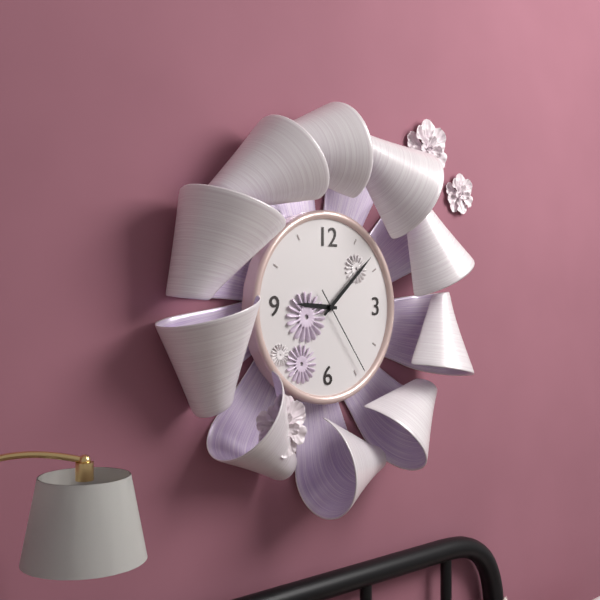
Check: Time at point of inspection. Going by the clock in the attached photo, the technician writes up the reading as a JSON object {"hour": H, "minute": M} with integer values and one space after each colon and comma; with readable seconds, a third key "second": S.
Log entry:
{"hour": 9, "minute": 8, "second": 24}
